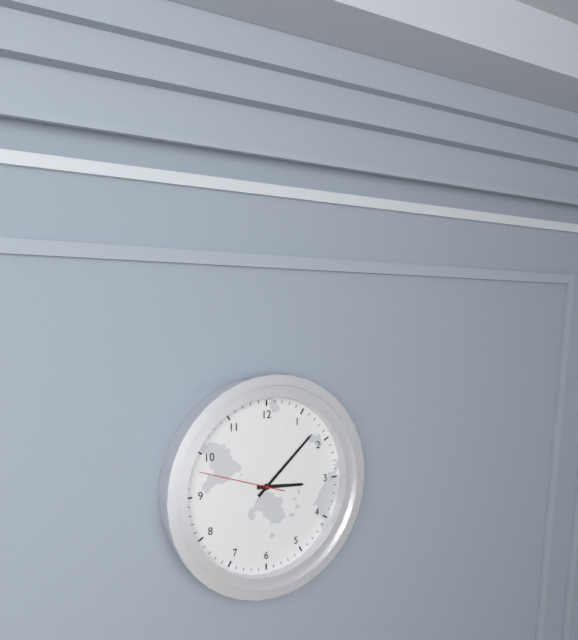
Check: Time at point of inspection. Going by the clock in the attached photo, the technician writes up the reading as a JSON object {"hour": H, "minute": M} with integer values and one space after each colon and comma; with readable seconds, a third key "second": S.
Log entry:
{"hour": 3, "minute": 8, "second": 48}
